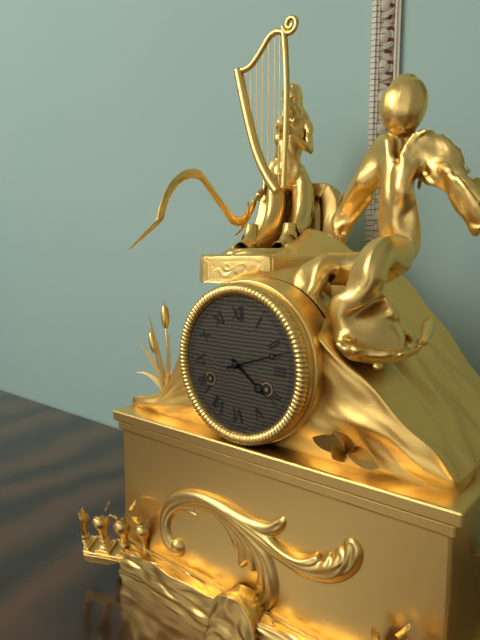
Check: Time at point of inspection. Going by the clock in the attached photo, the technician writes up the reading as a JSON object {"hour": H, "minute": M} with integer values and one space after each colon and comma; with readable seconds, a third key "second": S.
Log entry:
{"hour": 4, "minute": 12}
